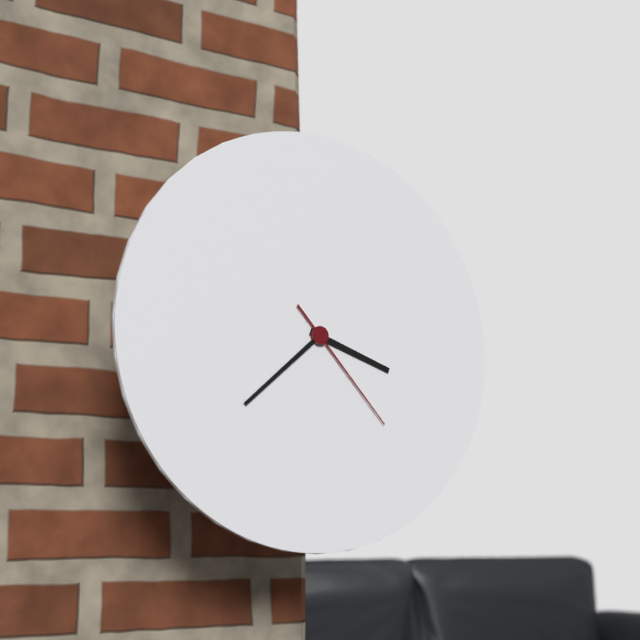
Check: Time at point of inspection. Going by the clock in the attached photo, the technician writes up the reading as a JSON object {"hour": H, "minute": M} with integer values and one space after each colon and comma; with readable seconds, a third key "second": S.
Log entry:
{"hour": 3, "minute": 38, "second": 23}
